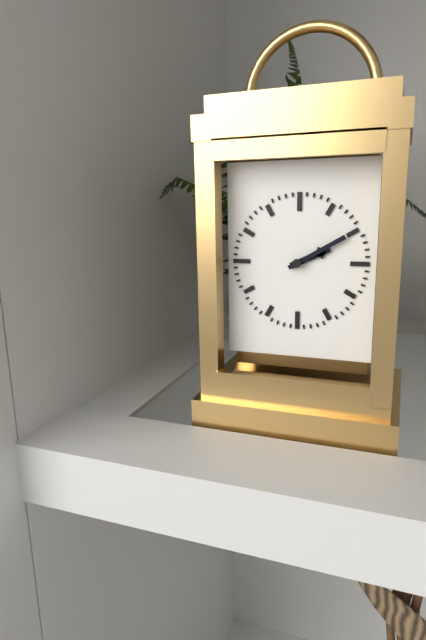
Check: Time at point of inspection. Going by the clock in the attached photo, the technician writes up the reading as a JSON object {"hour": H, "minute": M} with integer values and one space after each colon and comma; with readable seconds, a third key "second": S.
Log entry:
{"hour": 2, "minute": 10}
